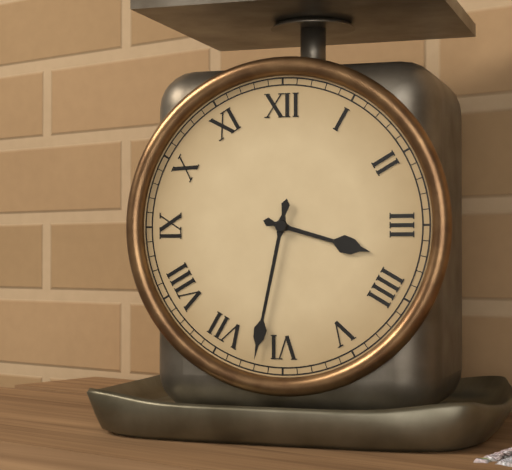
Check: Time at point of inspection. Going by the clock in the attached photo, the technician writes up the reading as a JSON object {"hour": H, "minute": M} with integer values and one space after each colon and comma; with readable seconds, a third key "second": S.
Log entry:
{"hour": 3, "minute": 32}
